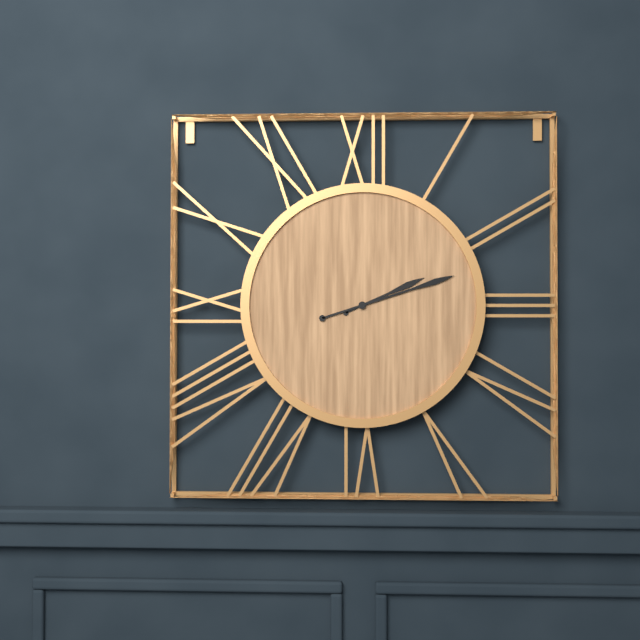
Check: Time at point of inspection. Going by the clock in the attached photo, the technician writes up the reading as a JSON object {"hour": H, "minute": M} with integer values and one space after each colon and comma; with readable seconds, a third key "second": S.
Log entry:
{"hour": 2, "minute": 12}
